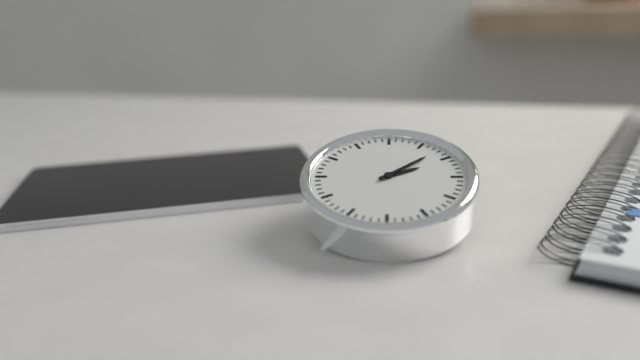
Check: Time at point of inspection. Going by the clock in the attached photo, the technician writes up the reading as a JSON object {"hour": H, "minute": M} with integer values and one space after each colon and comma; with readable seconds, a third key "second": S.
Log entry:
{"hour": 2, "minute": 8}
